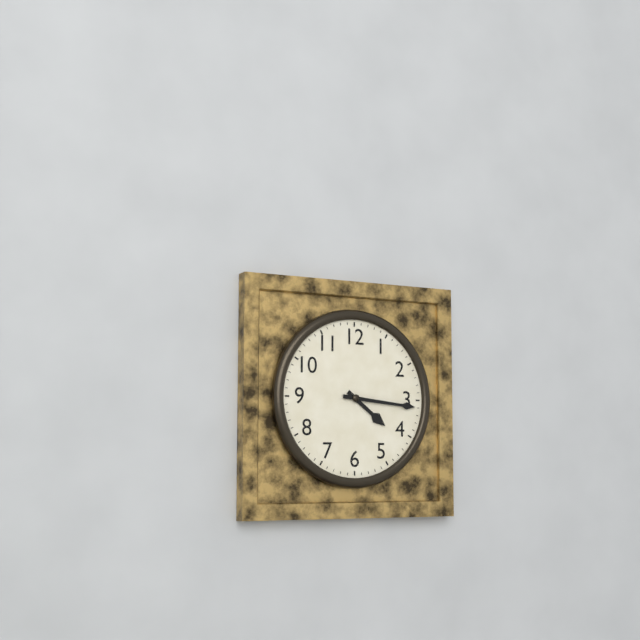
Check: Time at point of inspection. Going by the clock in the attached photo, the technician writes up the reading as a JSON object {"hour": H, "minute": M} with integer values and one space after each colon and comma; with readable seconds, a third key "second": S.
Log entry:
{"hour": 4, "minute": 16}
